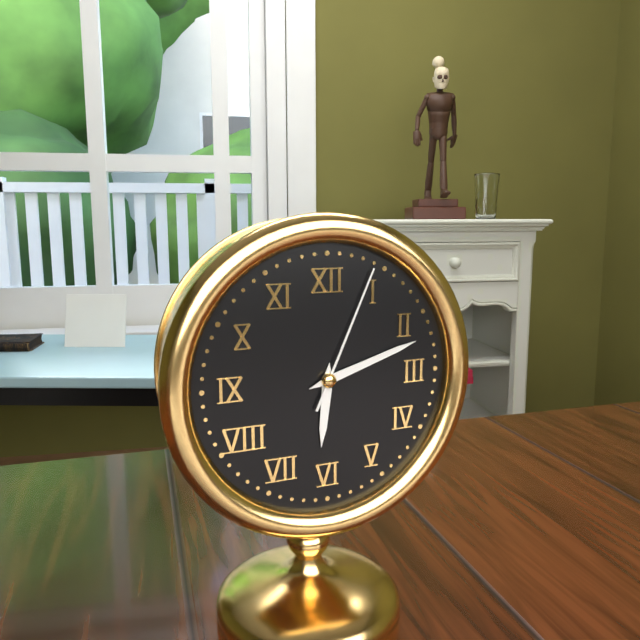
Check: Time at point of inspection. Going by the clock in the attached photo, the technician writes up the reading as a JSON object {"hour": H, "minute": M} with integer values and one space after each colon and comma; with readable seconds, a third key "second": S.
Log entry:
{"hour": 6, "minute": 12, "second": 4}
